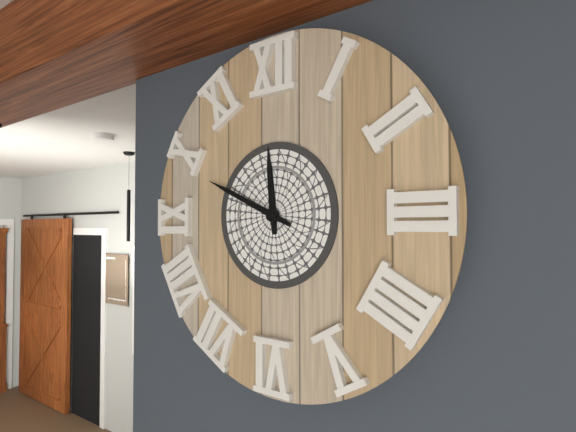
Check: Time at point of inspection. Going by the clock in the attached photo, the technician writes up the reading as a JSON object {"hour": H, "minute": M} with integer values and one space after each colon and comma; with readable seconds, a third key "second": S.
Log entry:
{"hour": 11, "minute": 49}
